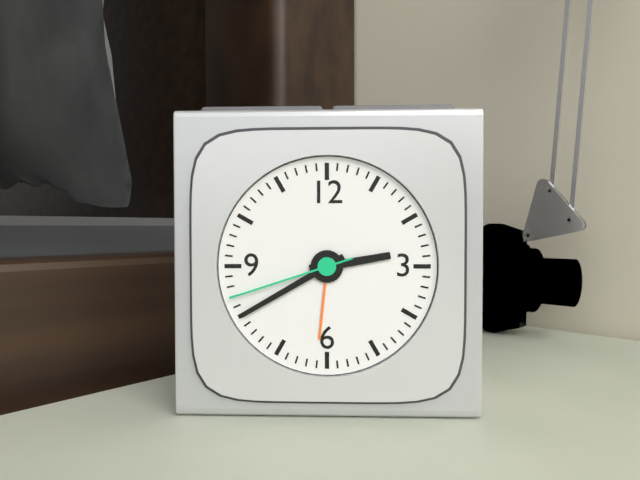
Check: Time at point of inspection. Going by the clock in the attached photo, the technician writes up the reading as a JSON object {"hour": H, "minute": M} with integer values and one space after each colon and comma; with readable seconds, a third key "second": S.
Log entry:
{"hour": 2, "minute": 40, "second": 42}
